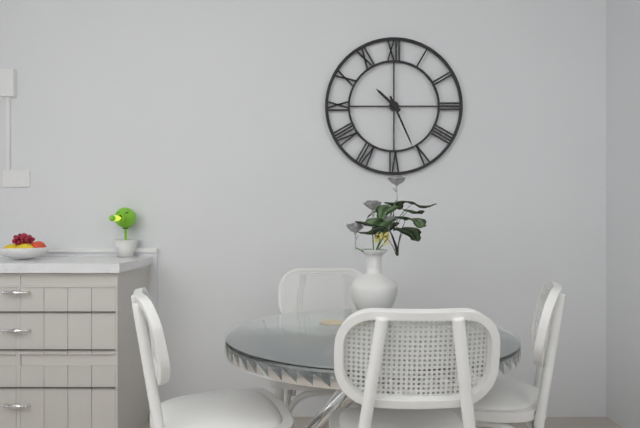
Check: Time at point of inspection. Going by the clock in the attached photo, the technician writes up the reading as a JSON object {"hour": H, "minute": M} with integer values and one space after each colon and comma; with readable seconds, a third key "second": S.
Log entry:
{"hour": 10, "minute": 26}
